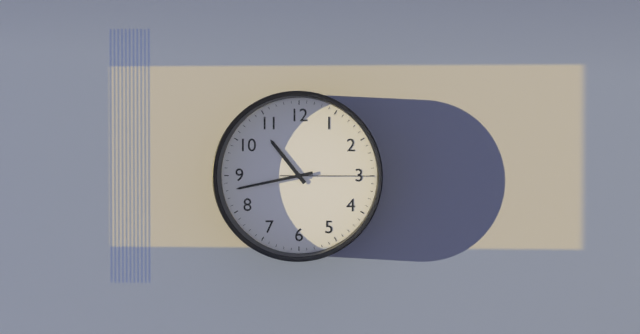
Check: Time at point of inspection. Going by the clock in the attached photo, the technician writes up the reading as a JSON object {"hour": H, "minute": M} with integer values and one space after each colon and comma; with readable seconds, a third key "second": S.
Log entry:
{"hour": 10, "minute": 43, "second": 15}
